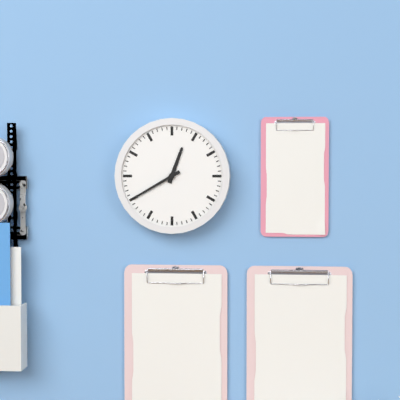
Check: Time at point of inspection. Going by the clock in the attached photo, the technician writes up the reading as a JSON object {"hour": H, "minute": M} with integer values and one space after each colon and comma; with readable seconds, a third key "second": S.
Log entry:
{"hour": 12, "minute": 40}
